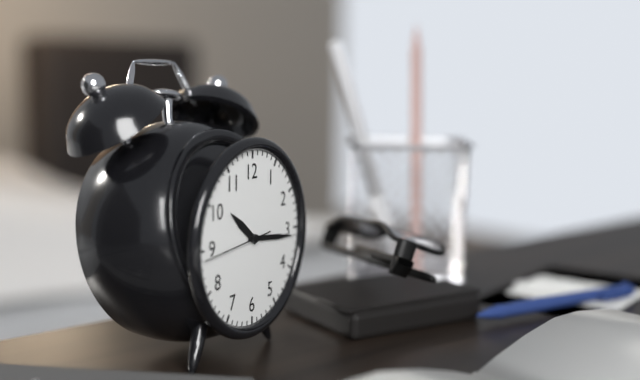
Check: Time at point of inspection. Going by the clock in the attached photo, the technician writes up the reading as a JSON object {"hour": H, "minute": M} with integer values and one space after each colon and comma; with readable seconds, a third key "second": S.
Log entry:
{"hour": 10, "minute": 16, "second": 44}
